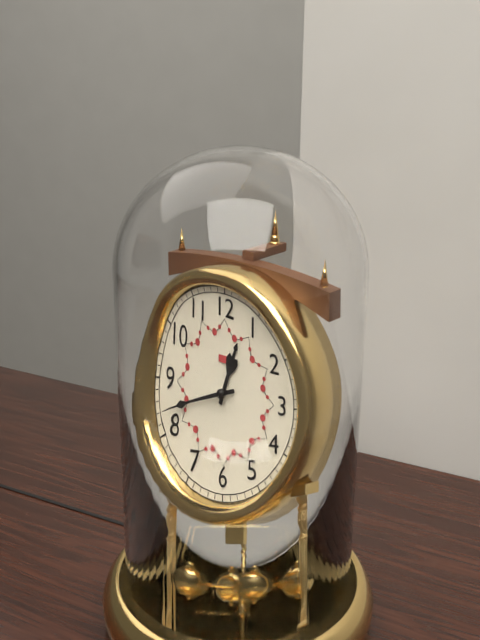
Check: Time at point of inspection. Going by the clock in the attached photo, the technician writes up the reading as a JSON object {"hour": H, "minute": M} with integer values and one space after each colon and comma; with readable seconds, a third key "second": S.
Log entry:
{"hour": 12, "minute": 42}
